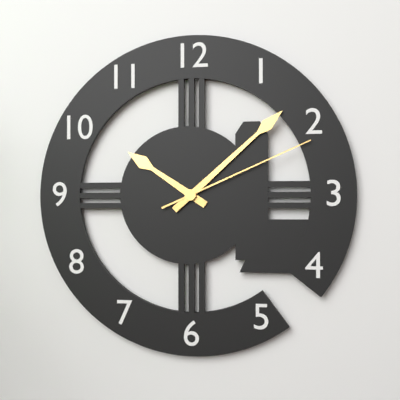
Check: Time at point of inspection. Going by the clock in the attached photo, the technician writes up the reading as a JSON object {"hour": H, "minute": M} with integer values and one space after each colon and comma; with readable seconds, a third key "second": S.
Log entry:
{"hour": 10, "minute": 8, "second": 11}
